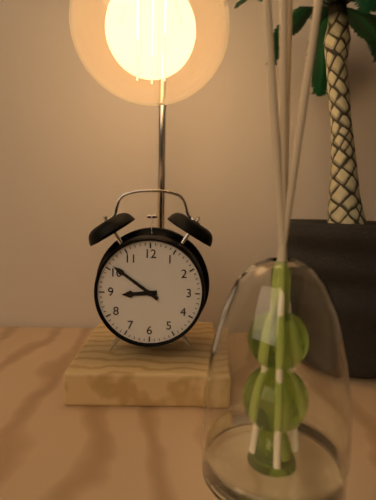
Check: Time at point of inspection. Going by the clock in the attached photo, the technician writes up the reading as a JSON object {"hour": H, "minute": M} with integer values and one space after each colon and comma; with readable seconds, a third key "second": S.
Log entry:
{"hour": 8, "minute": 51}
